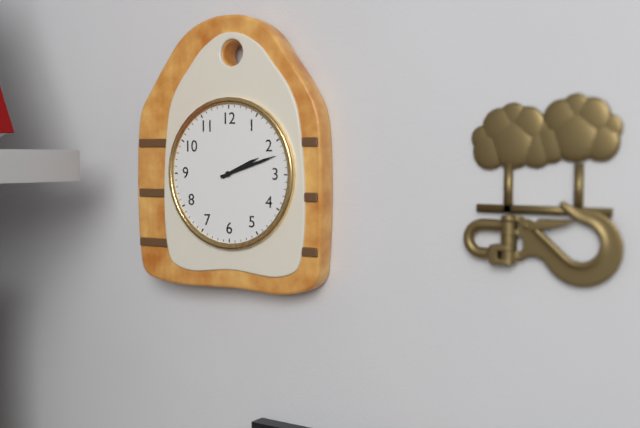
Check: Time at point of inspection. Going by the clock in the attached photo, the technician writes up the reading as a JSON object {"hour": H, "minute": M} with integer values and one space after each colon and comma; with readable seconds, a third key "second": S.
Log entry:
{"hour": 2, "minute": 12}
